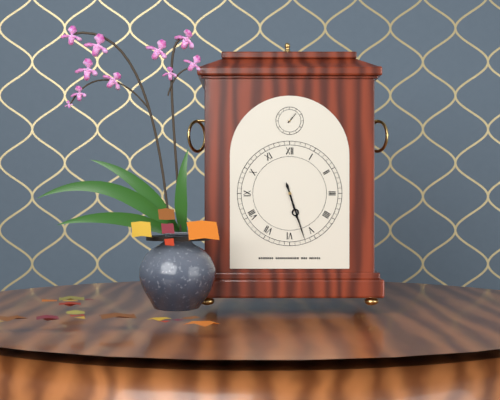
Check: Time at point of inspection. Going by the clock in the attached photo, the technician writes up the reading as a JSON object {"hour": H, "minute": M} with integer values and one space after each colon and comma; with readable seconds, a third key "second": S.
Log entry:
{"hour": 5, "minute": 27}
